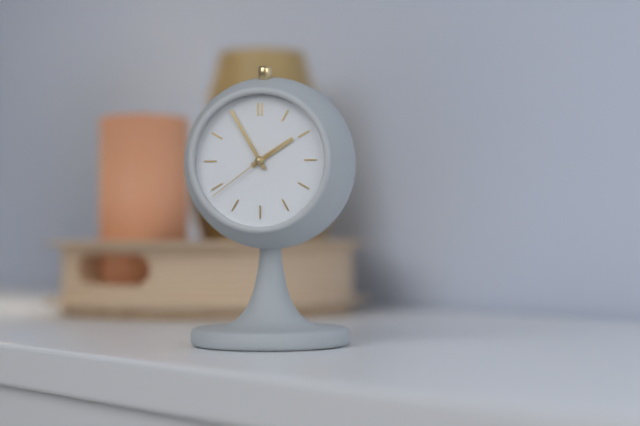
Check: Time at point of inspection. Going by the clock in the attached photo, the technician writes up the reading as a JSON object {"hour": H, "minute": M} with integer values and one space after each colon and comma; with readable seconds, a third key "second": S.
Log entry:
{"hour": 1, "minute": 55, "second": 39}
